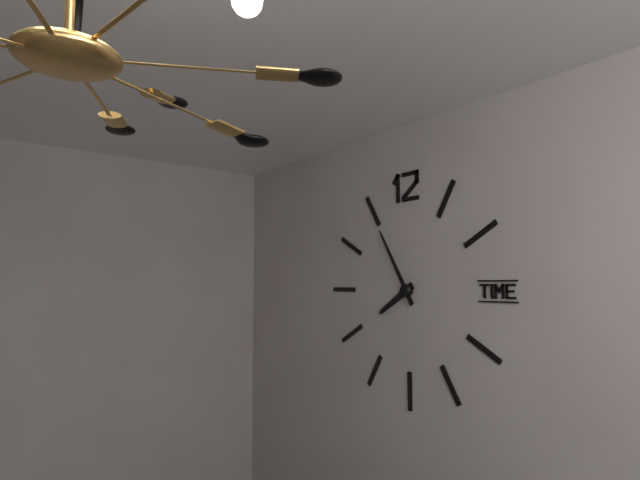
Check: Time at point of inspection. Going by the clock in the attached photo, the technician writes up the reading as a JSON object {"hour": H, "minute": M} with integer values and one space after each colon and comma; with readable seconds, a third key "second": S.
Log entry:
{"hour": 7, "minute": 55}
